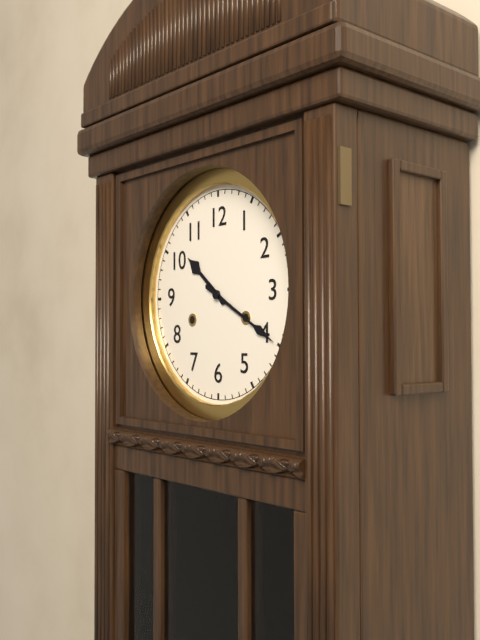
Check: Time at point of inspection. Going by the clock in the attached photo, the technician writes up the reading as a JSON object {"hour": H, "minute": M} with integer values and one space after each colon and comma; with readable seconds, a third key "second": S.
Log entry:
{"hour": 10, "minute": 20}
